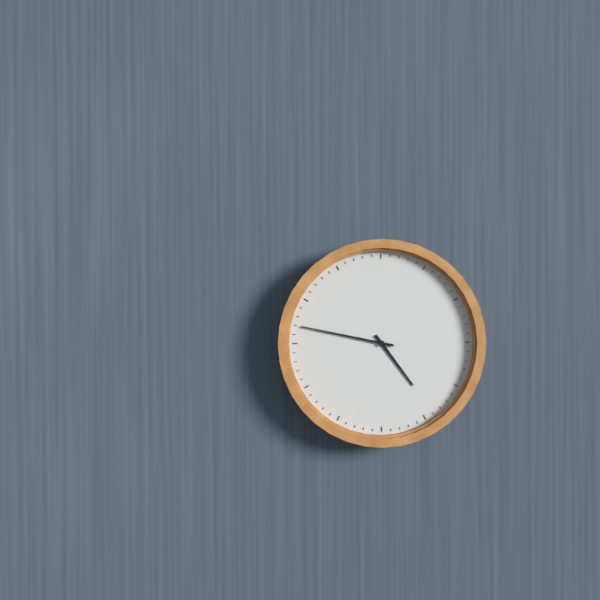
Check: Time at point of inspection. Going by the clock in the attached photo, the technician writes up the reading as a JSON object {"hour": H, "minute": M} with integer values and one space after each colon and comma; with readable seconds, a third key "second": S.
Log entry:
{"hour": 4, "minute": 47}
